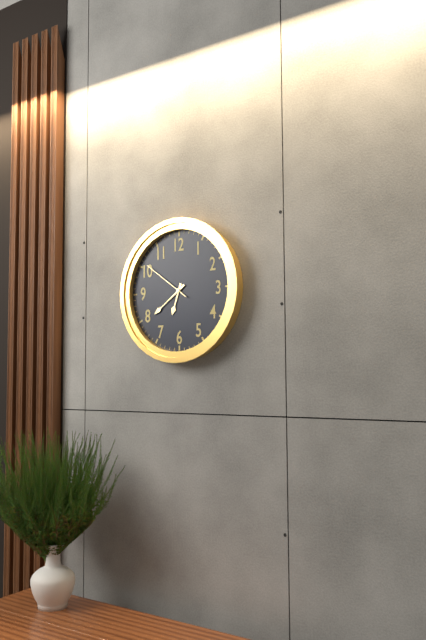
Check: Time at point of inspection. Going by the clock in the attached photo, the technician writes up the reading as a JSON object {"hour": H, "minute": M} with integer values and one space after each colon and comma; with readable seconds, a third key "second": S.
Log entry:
{"hour": 6, "minute": 39, "second": 51}
